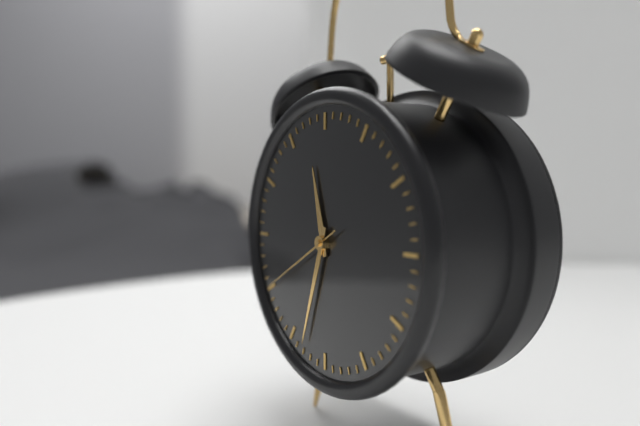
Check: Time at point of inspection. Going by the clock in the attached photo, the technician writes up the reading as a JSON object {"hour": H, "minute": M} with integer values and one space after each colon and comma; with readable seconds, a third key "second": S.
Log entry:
{"hour": 11, "minute": 33, "second": 40}
